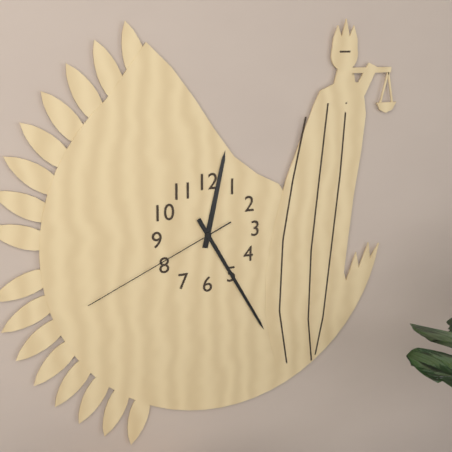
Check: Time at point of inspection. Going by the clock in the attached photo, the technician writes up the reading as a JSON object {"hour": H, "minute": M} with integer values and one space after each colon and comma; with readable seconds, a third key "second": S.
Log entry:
{"hour": 12, "minute": 25, "second": 41}
